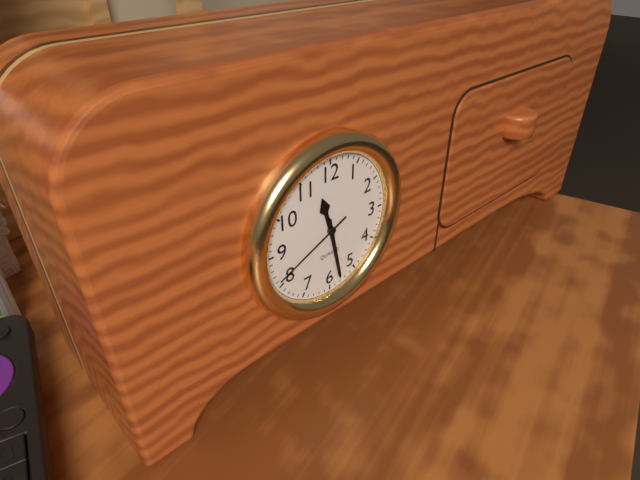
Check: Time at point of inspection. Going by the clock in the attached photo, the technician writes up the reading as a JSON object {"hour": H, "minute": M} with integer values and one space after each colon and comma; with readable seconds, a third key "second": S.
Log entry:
{"hour": 11, "minute": 28, "second": 41}
